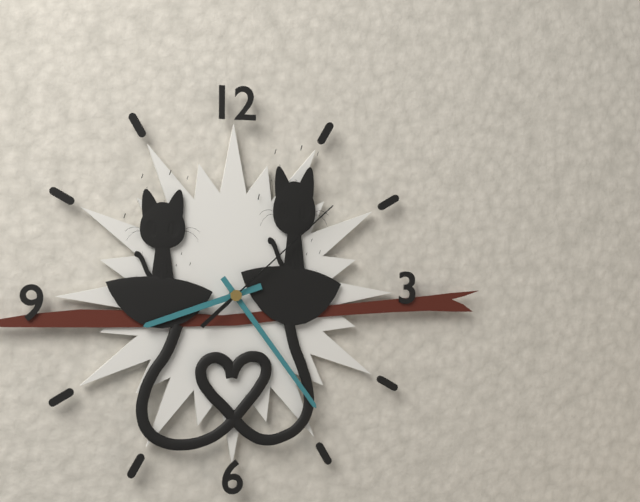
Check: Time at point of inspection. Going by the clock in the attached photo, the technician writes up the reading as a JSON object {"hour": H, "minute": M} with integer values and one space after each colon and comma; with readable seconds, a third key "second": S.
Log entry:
{"hour": 8, "minute": 24, "second": 8}
